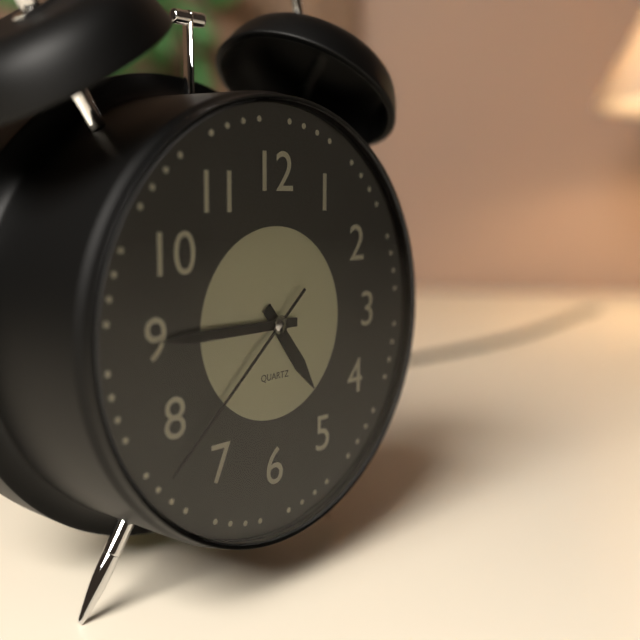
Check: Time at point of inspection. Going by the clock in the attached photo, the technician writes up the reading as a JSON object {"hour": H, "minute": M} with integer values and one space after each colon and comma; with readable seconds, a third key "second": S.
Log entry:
{"hour": 4, "minute": 45, "second": 38}
